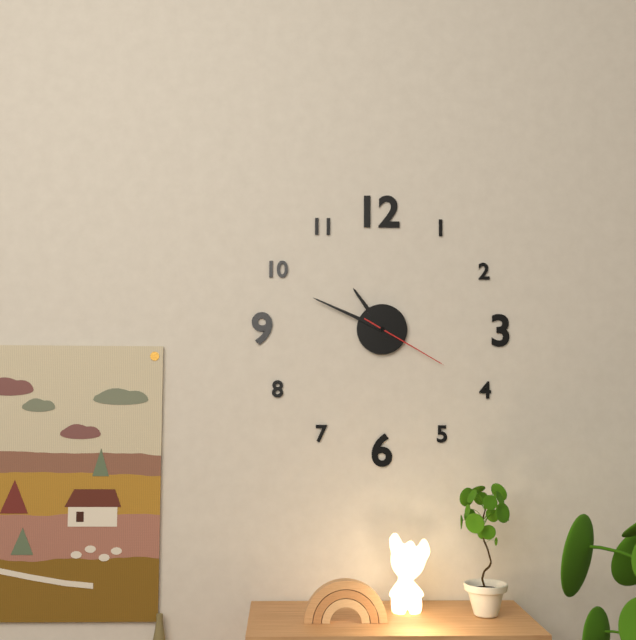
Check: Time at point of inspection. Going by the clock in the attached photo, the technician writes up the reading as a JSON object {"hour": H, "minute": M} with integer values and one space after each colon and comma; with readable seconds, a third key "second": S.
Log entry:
{"hour": 10, "minute": 49, "second": 20}
